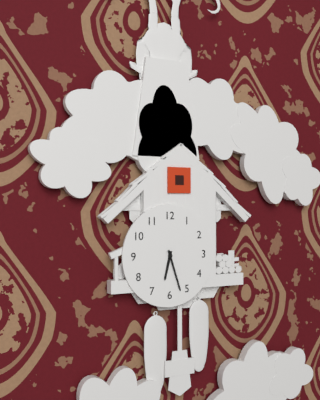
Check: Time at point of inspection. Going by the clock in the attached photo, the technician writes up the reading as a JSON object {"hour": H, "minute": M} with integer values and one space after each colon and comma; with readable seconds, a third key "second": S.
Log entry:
{"hour": 6, "minute": 27}
